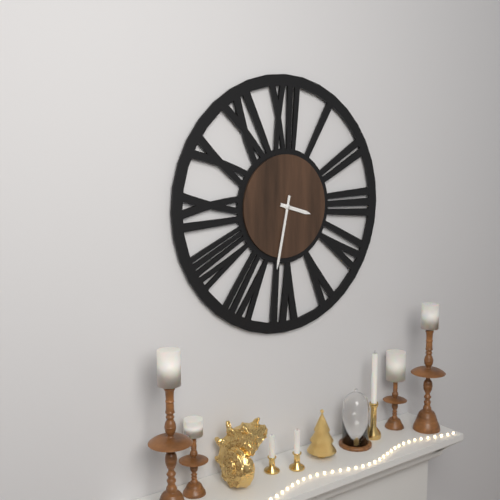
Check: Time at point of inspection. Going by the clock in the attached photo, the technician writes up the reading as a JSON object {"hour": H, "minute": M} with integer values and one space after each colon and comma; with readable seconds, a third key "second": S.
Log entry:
{"hour": 3, "minute": 32}
